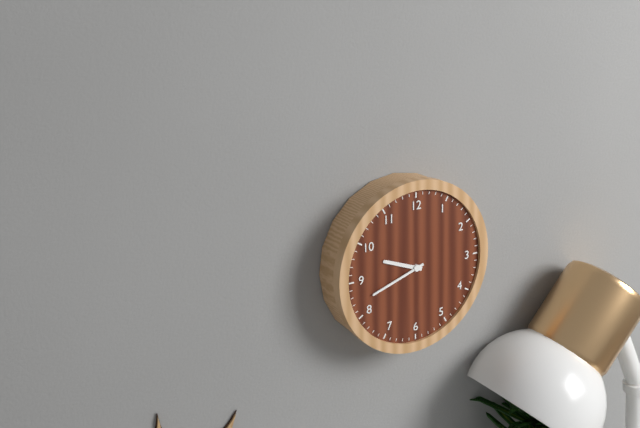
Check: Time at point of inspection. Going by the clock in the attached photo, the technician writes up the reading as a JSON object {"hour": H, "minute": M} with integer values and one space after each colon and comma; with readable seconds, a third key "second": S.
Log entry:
{"hour": 9, "minute": 42}
